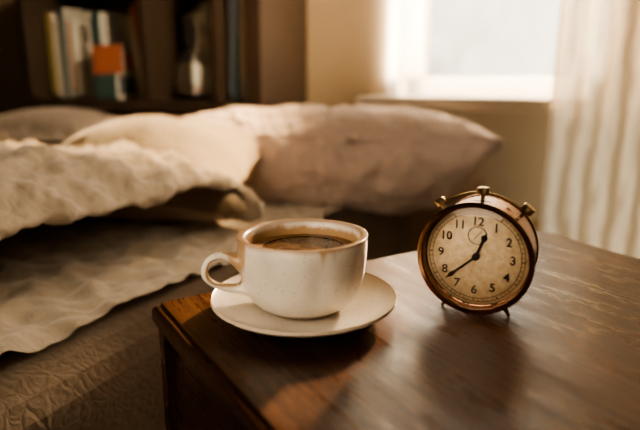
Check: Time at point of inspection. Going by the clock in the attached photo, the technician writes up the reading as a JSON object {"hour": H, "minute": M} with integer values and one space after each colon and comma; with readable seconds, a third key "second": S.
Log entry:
{"hour": 12, "minute": 38, "second": 41}
